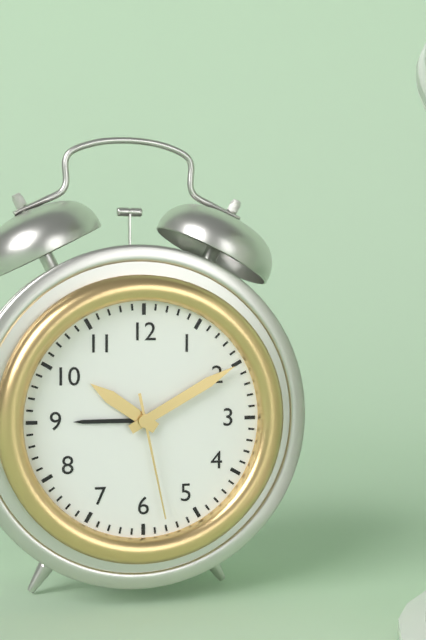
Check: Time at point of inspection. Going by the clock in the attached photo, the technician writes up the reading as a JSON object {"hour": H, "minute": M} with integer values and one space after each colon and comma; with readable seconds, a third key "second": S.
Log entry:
{"hour": 10, "minute": 10, "second": 28}
